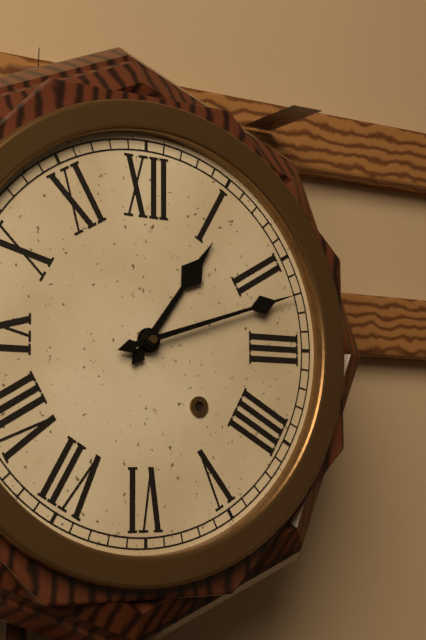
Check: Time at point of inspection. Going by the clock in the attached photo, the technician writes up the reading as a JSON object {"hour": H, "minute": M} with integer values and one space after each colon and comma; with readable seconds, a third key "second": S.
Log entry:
{"hour": 1, "minute": 12}
